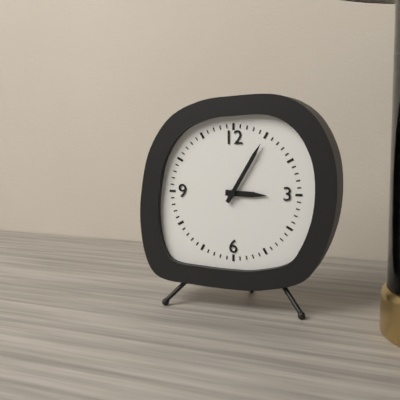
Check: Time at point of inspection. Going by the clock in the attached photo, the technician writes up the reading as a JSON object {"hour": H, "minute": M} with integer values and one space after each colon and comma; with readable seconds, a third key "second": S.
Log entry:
{"hour": 3, "minute": 5}
